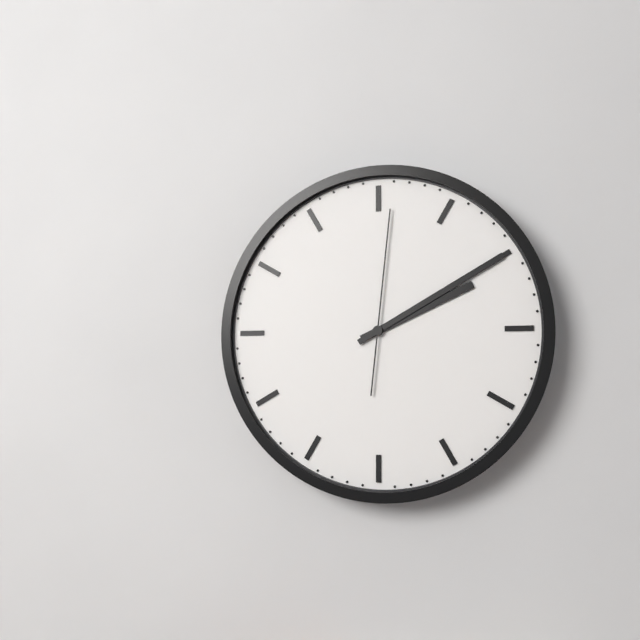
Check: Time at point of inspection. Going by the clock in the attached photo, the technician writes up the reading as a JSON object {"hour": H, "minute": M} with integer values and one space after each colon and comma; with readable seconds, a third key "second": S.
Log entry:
{"hour": 2, "minute": 10, "second": 1}
